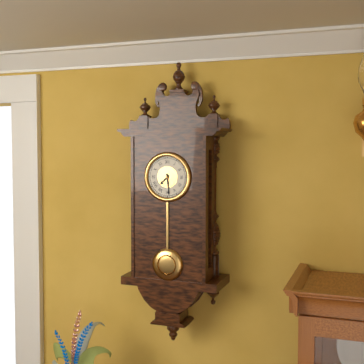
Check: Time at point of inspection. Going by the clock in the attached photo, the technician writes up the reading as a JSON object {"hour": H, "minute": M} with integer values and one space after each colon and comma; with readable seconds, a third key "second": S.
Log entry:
{"hour": 7, "minute": 29}
